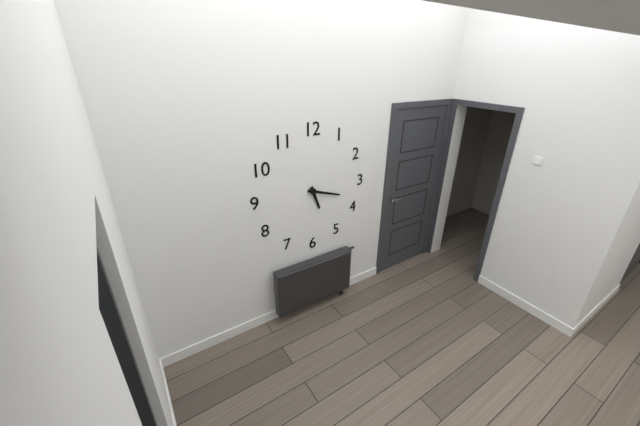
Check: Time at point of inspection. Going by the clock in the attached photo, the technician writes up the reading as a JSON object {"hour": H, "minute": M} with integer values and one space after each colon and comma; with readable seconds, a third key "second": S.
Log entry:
{"hour": 5, "minute": 18}
